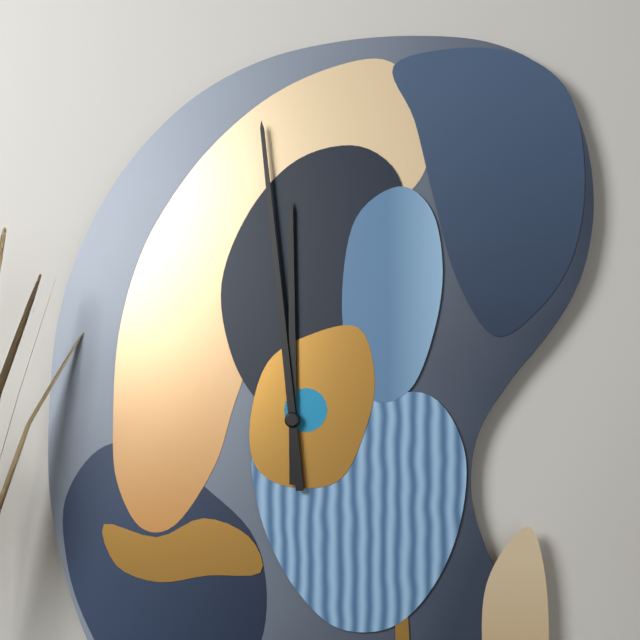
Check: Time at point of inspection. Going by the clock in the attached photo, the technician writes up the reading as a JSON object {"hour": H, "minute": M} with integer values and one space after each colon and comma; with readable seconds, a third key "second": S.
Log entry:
{"hour": 11, "minute": 59}
